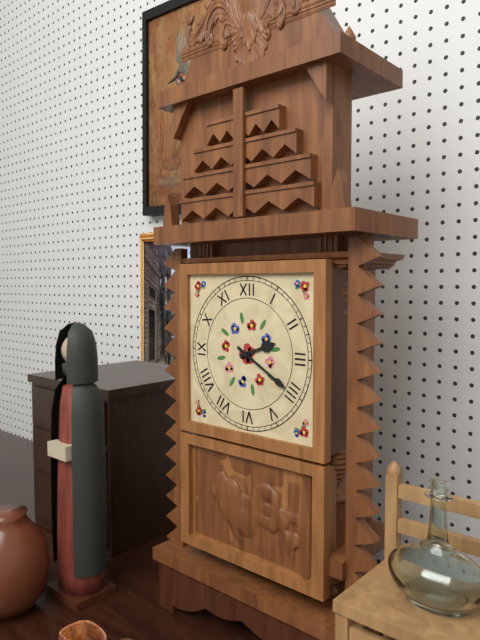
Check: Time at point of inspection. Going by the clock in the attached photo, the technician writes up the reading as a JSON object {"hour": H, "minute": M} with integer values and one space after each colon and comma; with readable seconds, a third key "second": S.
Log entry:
{"hour": 2, "minute": 20}
